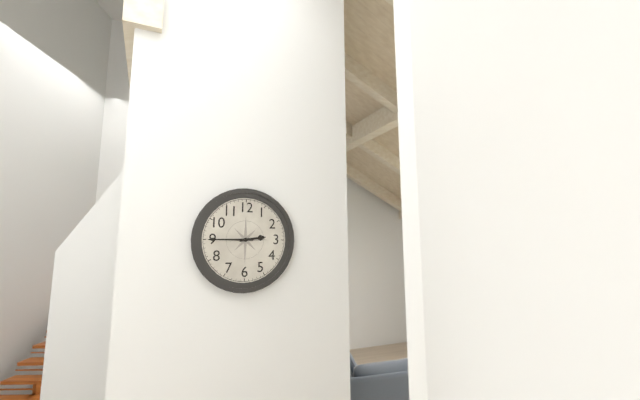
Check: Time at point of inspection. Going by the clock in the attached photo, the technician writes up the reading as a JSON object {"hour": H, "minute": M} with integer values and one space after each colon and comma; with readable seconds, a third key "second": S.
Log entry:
{"hour": 2, "minute": 45}
